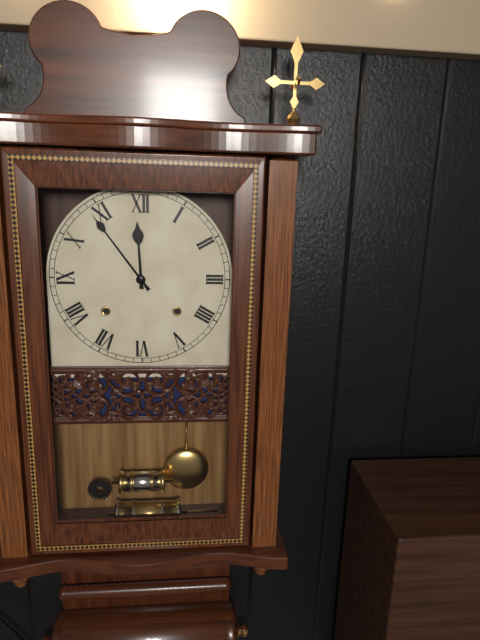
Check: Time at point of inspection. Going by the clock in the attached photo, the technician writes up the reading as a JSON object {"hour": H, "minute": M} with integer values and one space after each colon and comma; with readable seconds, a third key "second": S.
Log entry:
{"hour": 11, "minute": 54}
